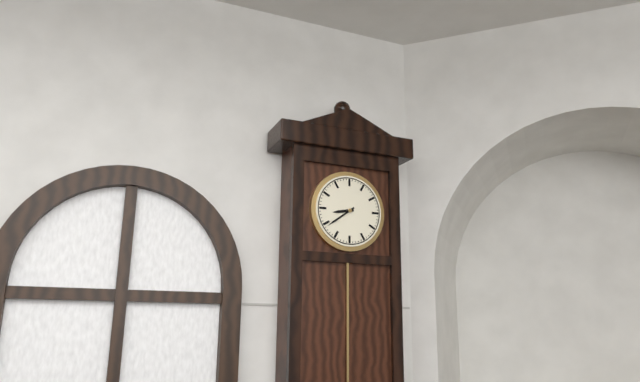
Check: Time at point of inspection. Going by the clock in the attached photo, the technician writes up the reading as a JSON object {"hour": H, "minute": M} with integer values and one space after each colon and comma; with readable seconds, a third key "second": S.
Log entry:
{"hour": 8, "minute": 39}
